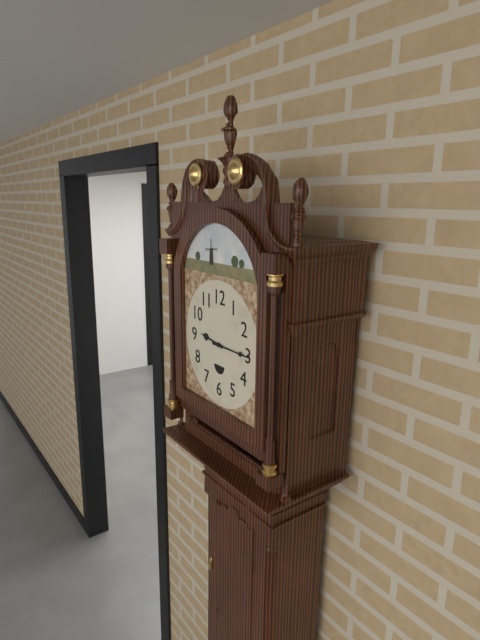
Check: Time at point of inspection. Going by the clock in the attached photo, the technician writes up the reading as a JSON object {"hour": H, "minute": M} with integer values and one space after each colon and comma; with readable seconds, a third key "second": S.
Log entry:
{"hour": 9, "minute": 15}
